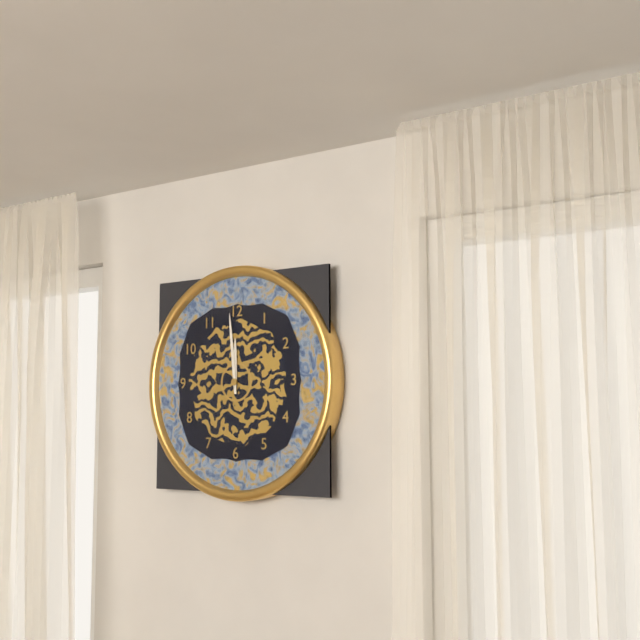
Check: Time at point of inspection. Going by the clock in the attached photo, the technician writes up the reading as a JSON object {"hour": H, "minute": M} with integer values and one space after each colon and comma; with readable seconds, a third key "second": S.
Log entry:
{"hour": 11, "minute": 59}
